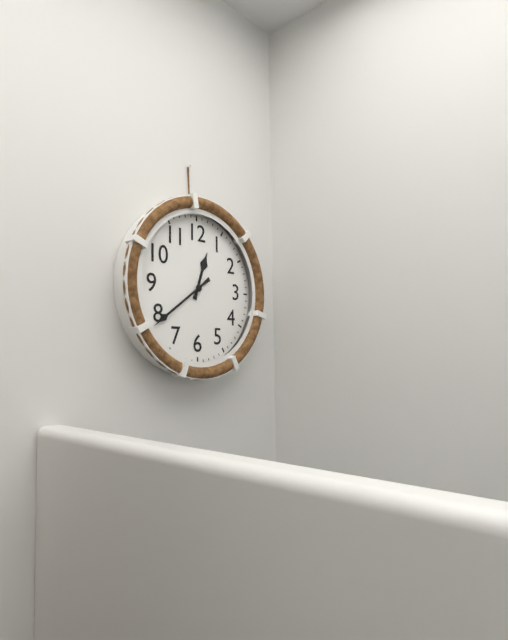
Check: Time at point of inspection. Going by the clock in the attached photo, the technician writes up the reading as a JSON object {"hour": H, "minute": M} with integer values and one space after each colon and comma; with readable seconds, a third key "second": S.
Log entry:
{"hour": 12, "minute": 39}
